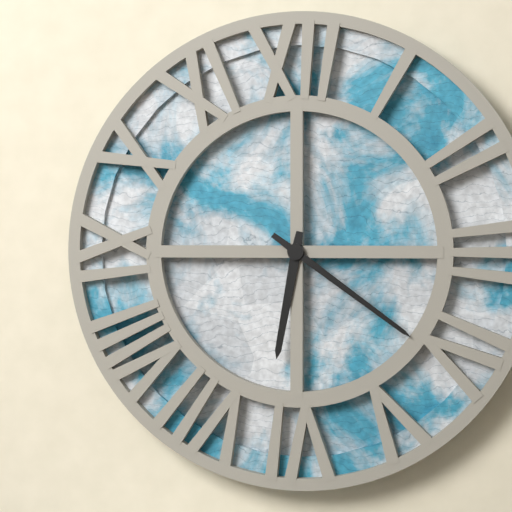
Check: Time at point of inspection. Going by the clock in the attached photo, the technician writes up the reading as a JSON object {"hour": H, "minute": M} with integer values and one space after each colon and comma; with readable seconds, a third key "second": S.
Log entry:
{"hour": 6, "minute": 21}
